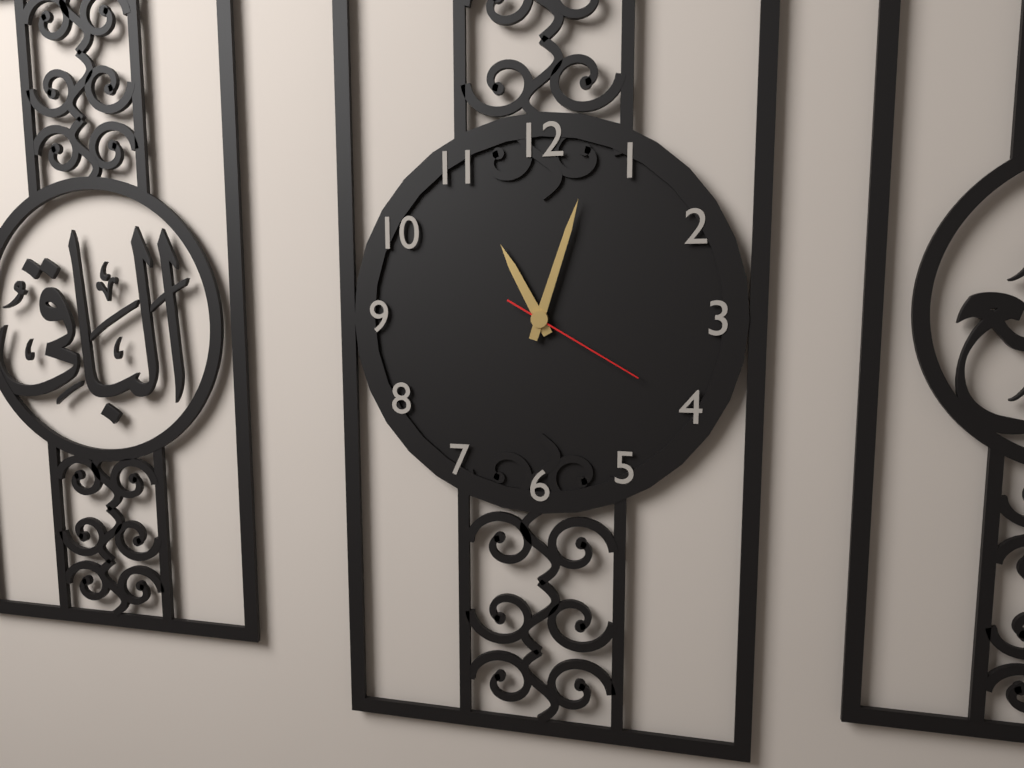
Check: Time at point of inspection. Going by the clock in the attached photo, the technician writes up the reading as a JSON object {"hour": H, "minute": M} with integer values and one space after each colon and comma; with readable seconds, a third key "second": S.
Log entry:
{"hour": 11, "minute": 3, "second": 20}
